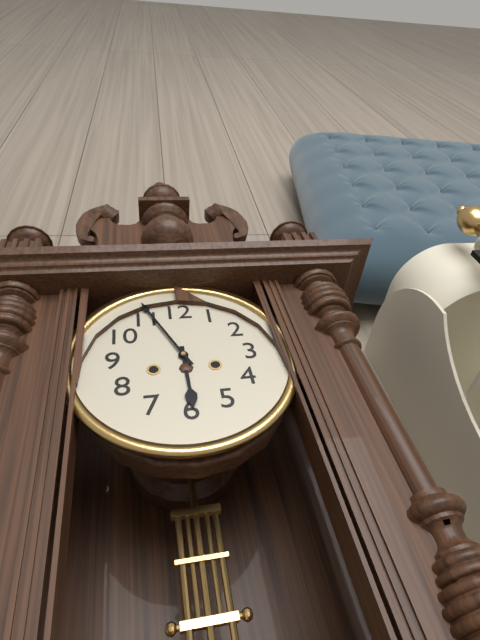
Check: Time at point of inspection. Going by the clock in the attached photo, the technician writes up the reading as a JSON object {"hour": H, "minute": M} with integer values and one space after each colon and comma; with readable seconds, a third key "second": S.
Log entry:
{"hour": 5, "minute": 56}
